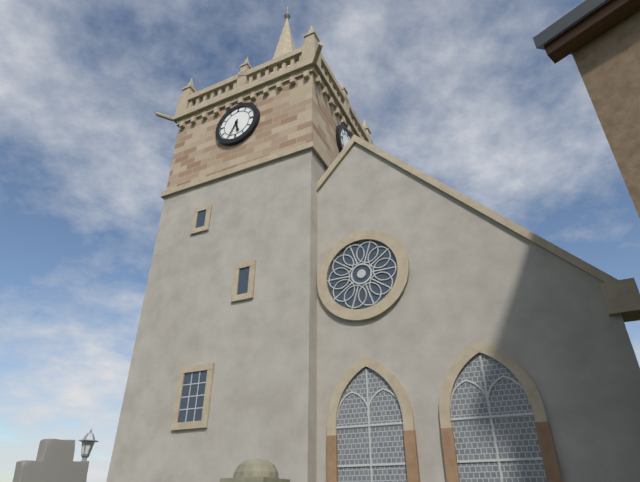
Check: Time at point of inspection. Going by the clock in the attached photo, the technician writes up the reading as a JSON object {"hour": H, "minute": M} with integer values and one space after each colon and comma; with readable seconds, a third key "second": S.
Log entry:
{"hour": 5, "minute": 34}
